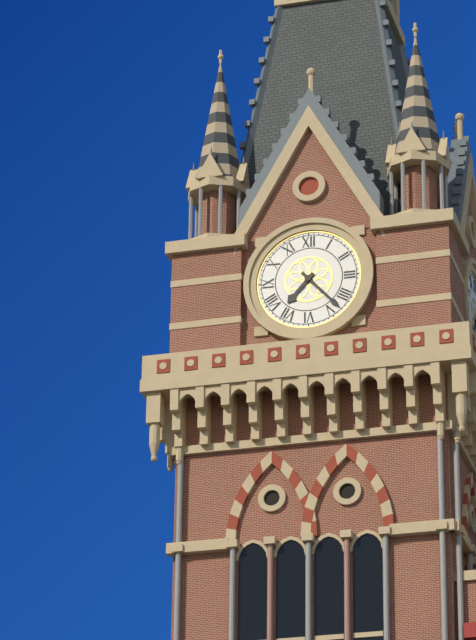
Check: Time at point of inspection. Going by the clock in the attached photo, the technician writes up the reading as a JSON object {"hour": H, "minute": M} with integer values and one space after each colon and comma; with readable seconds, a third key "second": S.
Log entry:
{"hour": 7, "minute": 23}
